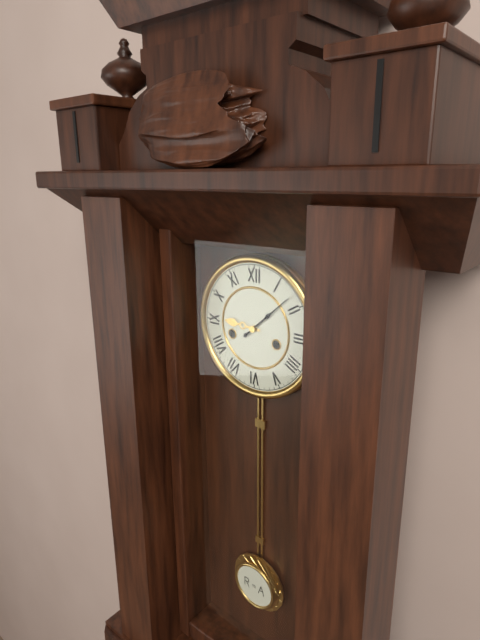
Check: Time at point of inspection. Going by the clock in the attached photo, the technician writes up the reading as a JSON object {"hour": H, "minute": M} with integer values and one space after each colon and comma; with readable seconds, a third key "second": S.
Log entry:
{"hour": 9, "minute": 8}
